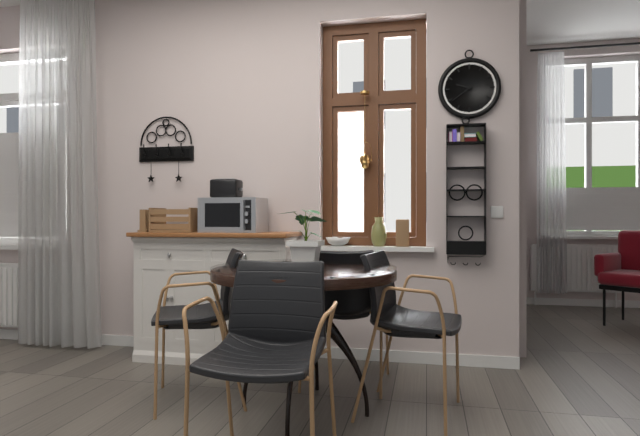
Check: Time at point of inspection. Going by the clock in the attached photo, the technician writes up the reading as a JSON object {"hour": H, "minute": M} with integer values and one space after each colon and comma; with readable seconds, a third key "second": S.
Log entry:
{"hour": 9, "minute": 39}
